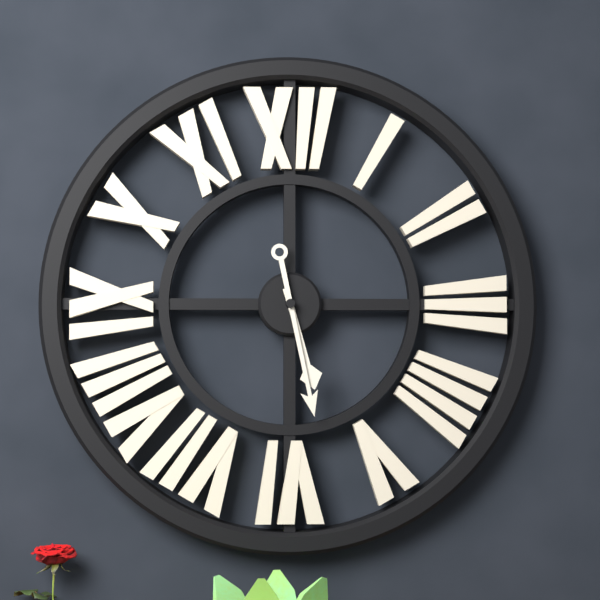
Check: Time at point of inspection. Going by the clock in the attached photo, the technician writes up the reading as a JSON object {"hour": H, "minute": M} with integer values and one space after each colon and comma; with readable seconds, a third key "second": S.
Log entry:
{"hour": 5, "minute": 28}
